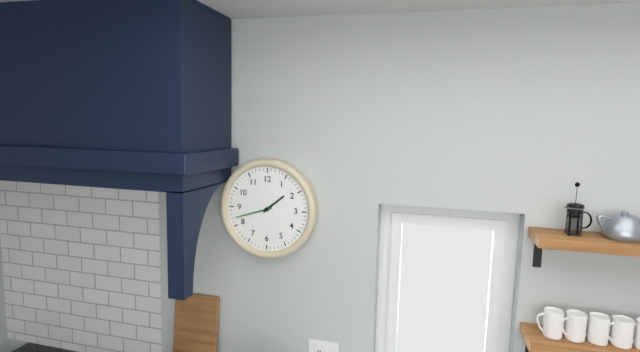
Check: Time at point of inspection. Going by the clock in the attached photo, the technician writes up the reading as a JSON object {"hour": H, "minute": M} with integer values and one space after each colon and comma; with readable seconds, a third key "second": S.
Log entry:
{"hour": 1, "minute": 42}
